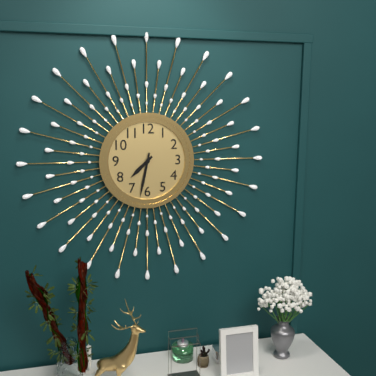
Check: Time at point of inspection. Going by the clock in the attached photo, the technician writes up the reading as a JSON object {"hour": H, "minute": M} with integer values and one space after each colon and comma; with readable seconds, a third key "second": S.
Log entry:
{"hour": 7, "minute": 32}
